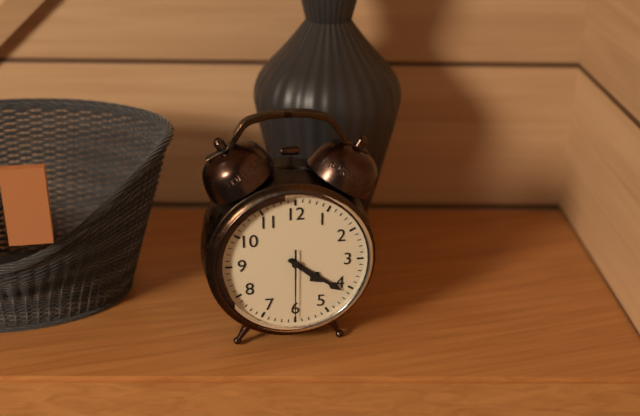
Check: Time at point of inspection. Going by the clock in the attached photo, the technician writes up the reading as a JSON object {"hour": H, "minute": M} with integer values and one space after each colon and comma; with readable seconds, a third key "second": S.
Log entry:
{"hour": 4, "minute": 21, "second": 30}
